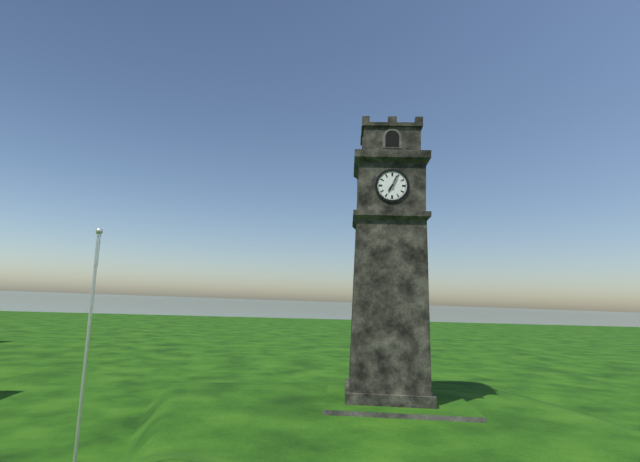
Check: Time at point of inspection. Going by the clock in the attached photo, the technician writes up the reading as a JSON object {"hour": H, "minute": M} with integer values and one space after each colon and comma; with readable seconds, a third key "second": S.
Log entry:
{"hour": 7, "minute": 4}
